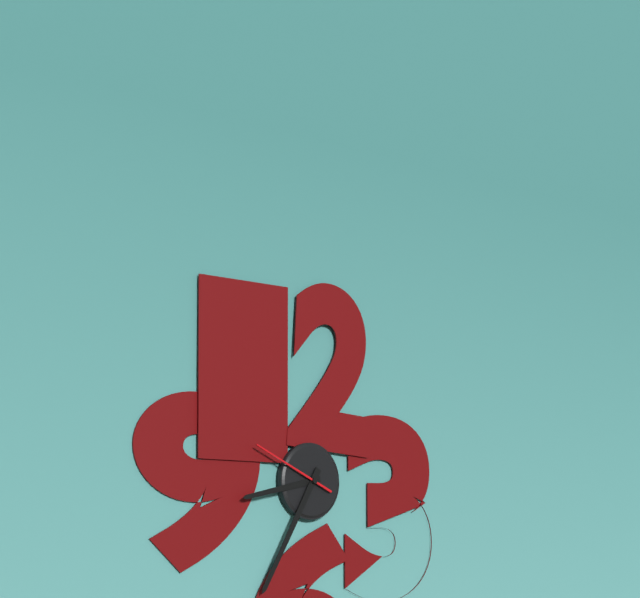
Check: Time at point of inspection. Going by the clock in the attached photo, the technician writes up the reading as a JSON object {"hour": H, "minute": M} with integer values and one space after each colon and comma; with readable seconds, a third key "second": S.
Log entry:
{"hour": 8, "minute": 35, "second": 49}
